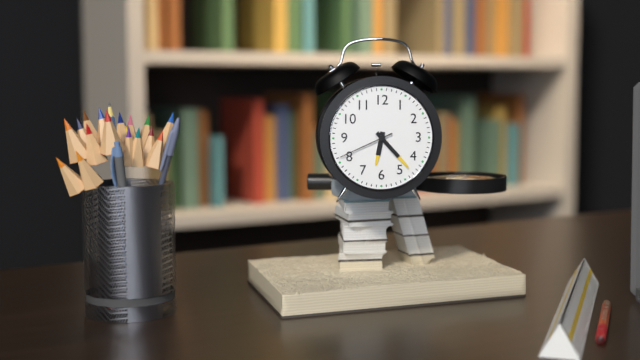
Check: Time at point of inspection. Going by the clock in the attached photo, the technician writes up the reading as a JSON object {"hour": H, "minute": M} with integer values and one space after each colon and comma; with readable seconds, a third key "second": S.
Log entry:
{"hour": 6, "minute": 23, "second": 41}
